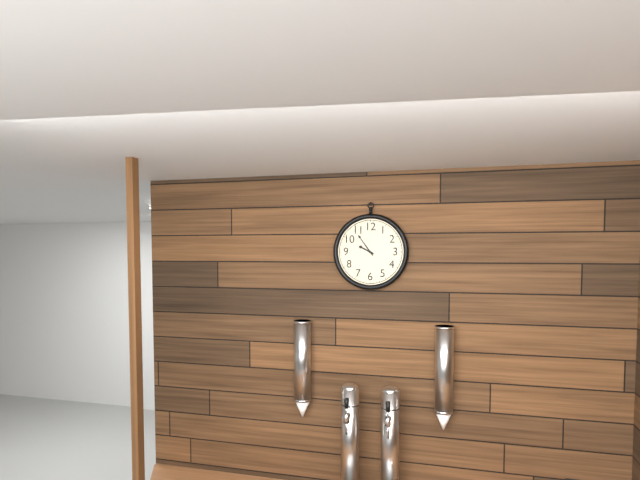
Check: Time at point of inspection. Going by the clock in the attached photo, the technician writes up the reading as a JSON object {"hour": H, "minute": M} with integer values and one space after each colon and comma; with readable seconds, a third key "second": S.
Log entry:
{"hour": 9, "minute": 54}
